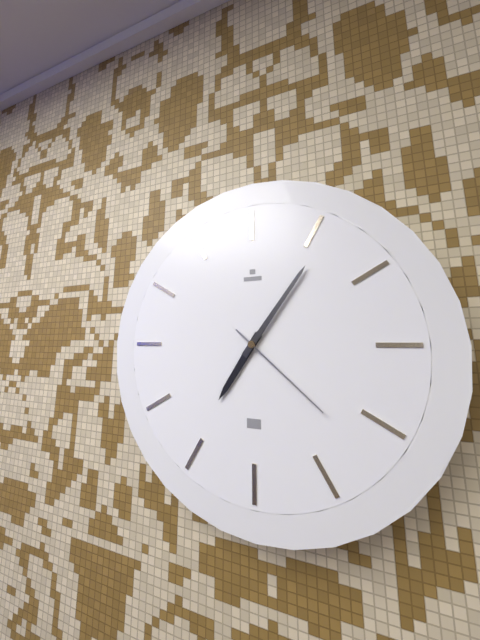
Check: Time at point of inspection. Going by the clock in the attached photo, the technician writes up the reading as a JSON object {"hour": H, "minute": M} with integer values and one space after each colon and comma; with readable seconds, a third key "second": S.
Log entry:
{"hour": 7, "minute": 6, "second": 22}
